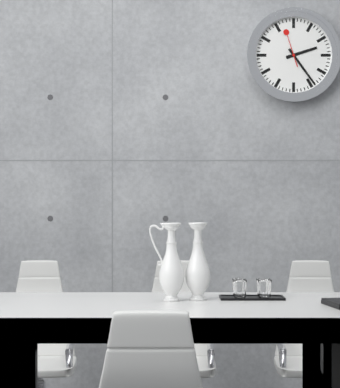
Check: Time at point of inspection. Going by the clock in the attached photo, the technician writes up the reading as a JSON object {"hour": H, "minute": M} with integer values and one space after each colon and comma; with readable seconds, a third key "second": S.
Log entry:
{"hour": 2, "minute": 24}
